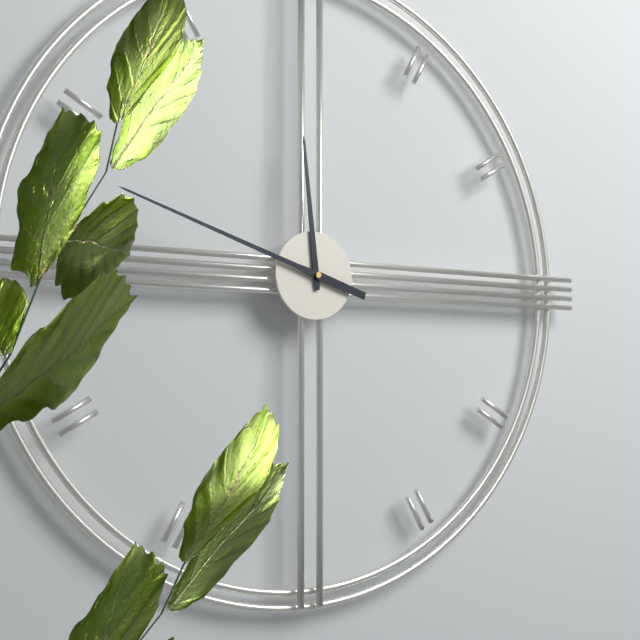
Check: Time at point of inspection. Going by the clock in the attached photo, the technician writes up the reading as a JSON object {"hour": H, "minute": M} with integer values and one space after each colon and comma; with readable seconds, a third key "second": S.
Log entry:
{"hour": 11, "minute": 48}
